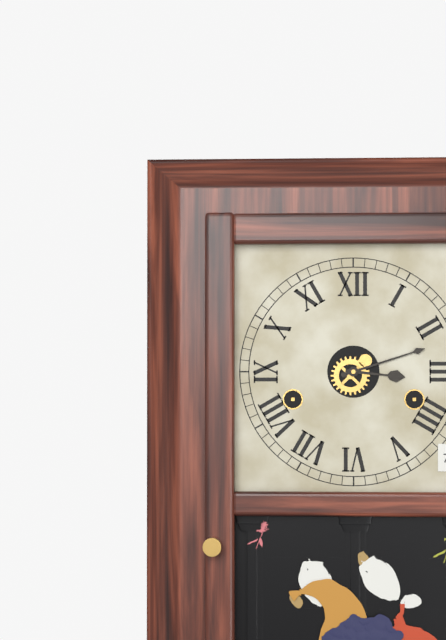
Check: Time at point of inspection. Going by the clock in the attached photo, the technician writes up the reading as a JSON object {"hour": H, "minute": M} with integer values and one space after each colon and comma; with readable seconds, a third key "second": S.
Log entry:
{"hour": 3, "minute": 12}
